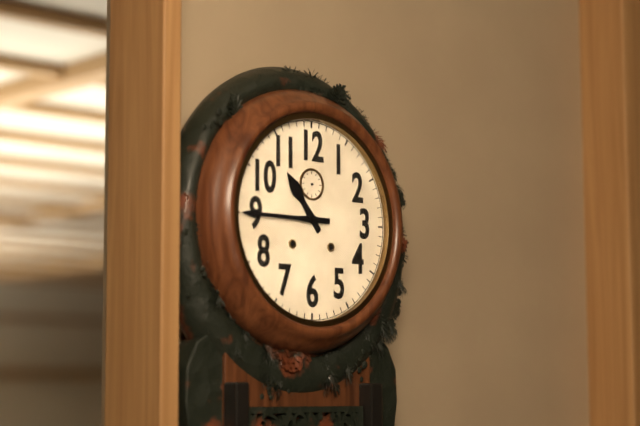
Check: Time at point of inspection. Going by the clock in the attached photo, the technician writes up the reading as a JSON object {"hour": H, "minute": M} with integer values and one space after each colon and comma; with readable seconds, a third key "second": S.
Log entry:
{"hour": 10, "minute": 45}
